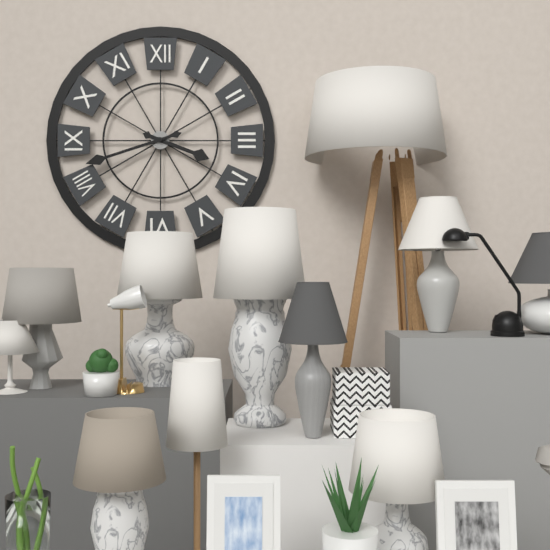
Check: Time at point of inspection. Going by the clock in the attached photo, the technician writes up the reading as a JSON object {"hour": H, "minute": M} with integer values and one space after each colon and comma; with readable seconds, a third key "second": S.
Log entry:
{"hour": 3, "minute": 42}
